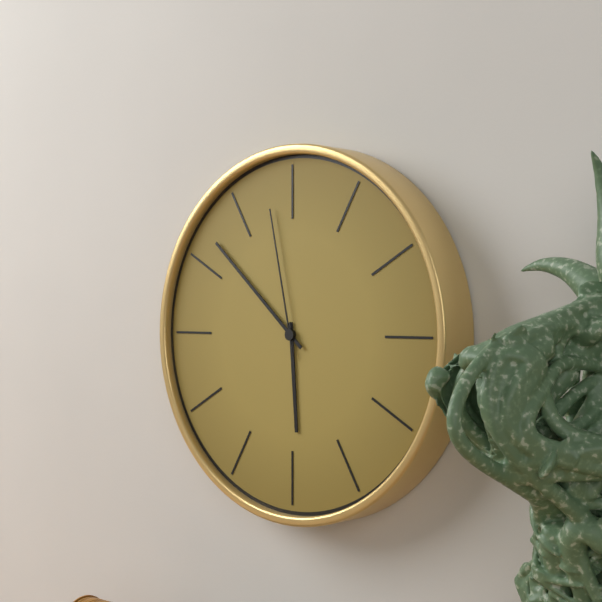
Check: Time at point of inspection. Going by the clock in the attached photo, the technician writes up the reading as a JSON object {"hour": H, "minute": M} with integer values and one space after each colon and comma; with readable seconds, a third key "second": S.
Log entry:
{"hour": 5, "minute": 52, "second": 58}
